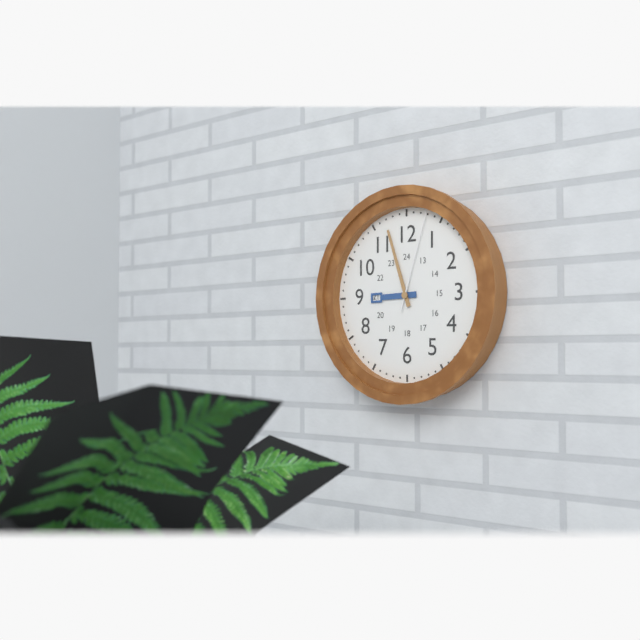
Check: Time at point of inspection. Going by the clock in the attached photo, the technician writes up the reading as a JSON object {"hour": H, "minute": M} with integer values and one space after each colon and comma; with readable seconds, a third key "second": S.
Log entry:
{"hour": 8, "minute": 57, "second": 3}
